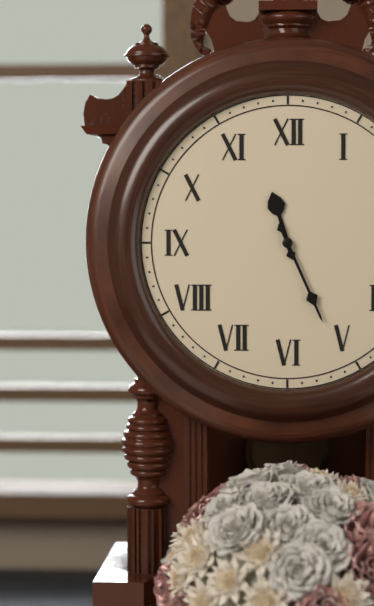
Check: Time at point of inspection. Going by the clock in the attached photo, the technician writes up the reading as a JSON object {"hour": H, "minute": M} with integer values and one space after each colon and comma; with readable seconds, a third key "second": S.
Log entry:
{"hour": 11, "minute": 26}
